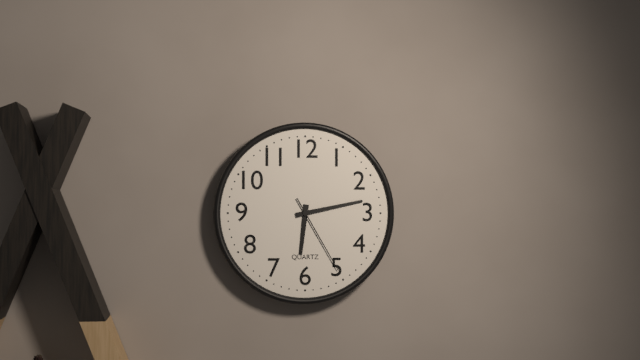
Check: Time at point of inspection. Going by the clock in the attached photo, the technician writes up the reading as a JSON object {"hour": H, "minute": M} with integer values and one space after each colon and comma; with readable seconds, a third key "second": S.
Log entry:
{"hour": 6, "minute": 13, "second": 25}
